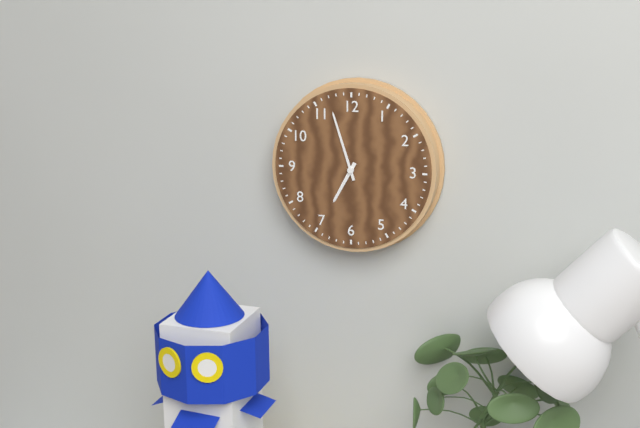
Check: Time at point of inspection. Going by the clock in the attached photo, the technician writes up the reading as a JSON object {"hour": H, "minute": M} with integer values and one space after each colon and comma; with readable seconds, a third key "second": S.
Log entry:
{"hour": 6, "minute": 57}
